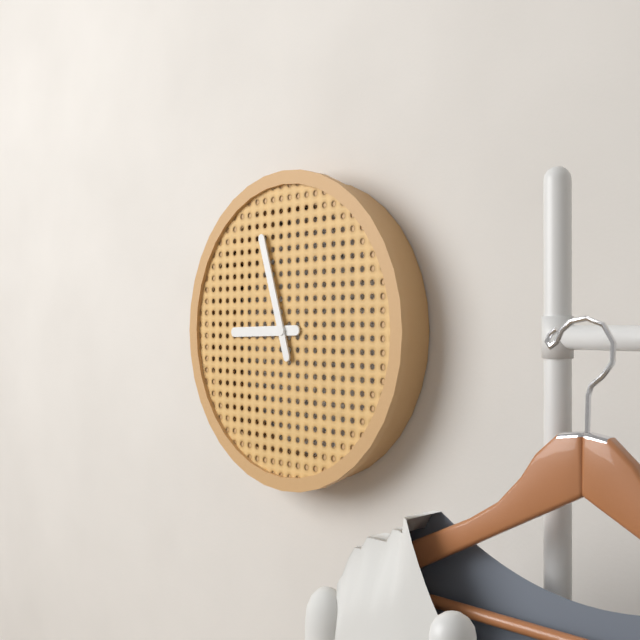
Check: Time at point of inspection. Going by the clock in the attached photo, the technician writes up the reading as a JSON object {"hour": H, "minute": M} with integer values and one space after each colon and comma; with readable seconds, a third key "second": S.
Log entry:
{"hour": 8, "minute": 57}
